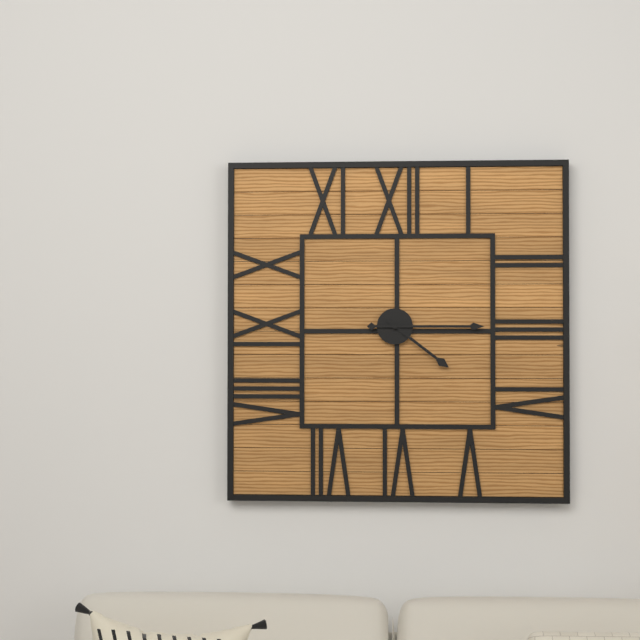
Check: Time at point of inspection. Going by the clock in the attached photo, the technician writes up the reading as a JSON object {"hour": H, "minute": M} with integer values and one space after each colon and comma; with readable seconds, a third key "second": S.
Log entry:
{"hour": 4, "minute": 15}
